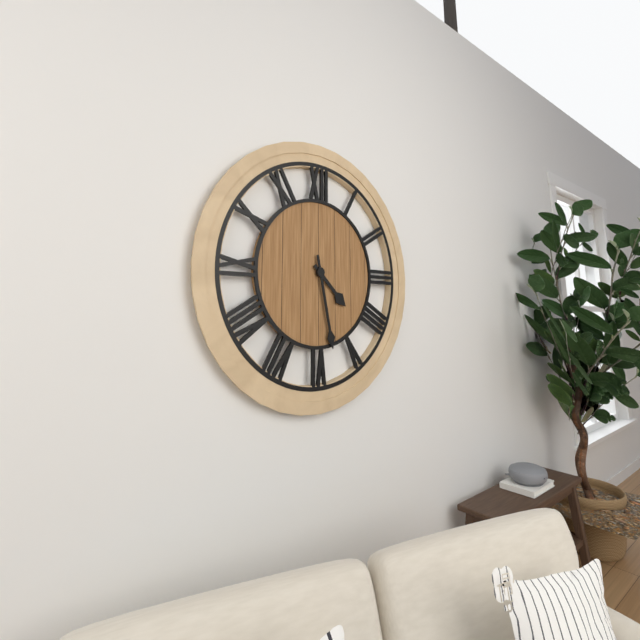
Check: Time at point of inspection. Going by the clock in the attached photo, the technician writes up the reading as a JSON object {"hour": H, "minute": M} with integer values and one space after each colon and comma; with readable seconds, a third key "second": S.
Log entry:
{"hour": 4, "minute": 28}
